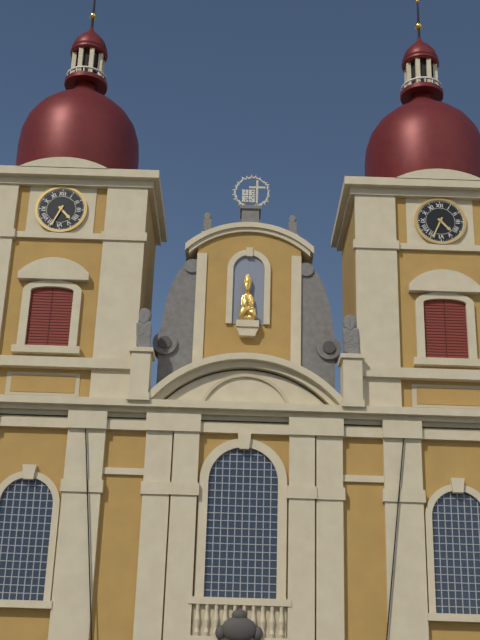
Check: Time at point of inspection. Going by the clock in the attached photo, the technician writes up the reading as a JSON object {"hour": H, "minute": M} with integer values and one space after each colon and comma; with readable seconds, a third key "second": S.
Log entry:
{"hour": 4, "minute": 34}
